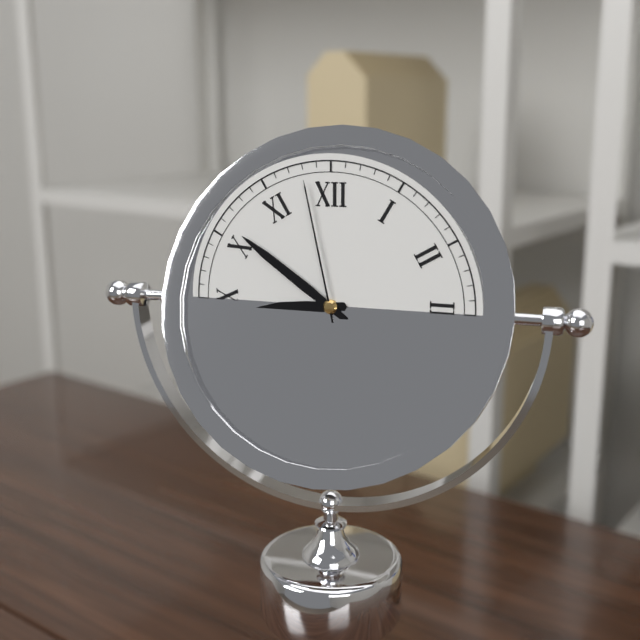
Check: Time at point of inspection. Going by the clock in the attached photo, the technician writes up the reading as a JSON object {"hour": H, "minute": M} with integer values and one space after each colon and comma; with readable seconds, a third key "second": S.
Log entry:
{"hour": 8, "minute": 51, "second": 58}
